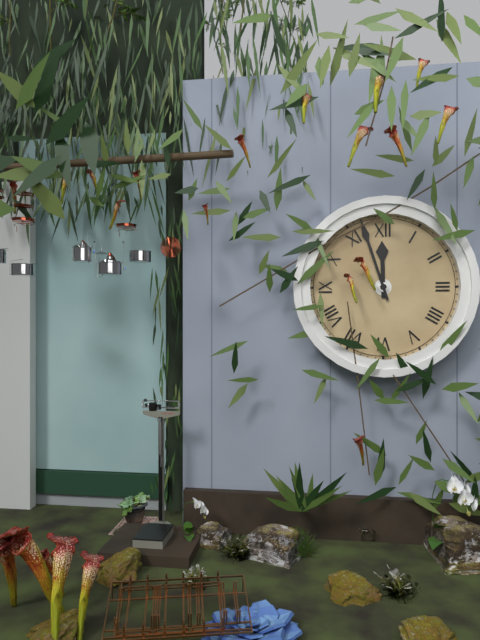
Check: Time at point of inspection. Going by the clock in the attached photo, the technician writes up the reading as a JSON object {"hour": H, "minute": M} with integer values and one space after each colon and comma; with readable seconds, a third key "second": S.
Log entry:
{"hour": 11, "minute": 57}
